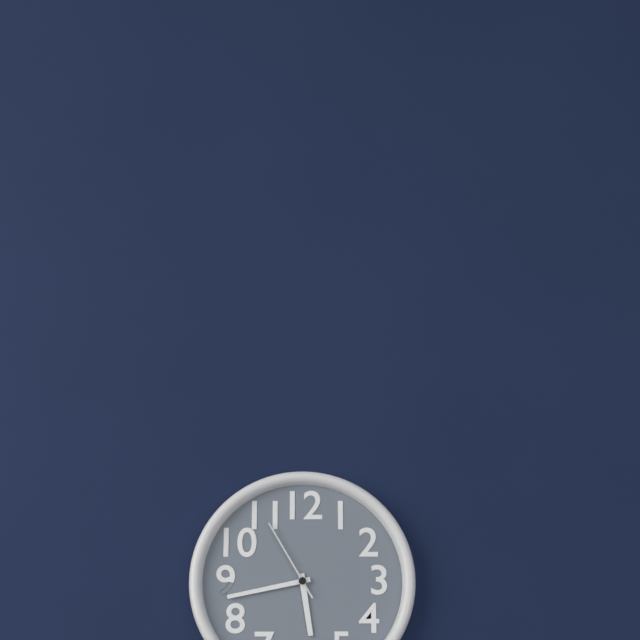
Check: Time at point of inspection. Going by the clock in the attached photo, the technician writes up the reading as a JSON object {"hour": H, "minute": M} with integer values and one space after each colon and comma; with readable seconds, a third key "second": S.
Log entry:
{"hour": 5, "minute": 43, "second": 55}
